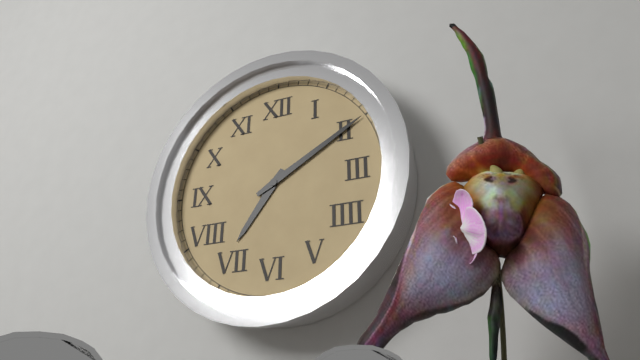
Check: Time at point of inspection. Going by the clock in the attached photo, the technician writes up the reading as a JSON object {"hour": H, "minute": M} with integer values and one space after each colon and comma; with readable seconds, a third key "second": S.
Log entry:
{"hour": 7, "minute": 10}
